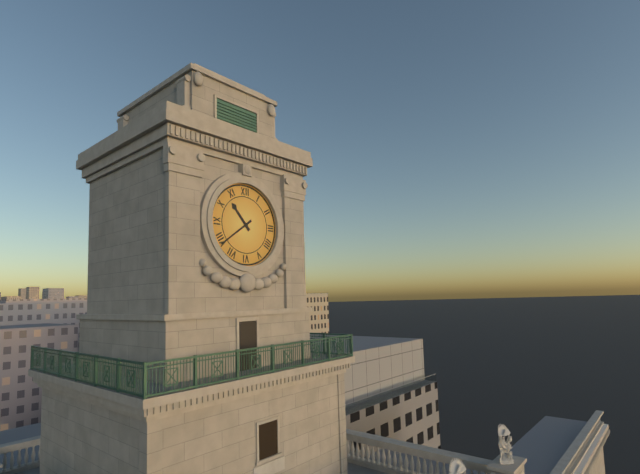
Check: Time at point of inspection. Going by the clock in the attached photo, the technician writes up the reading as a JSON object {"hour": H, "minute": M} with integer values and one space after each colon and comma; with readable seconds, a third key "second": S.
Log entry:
{"hour": 10, "minute": 39}
